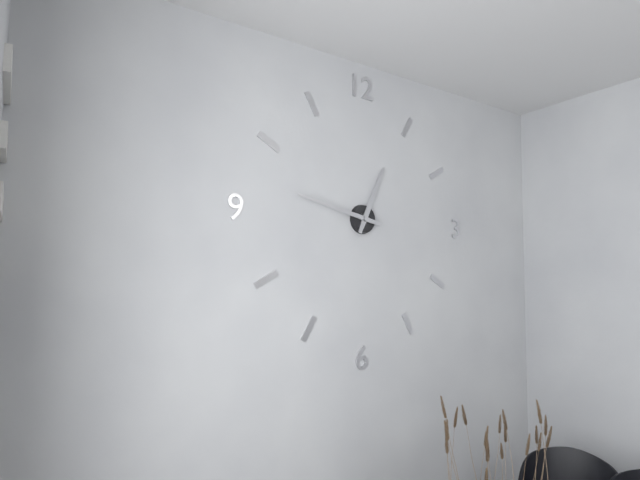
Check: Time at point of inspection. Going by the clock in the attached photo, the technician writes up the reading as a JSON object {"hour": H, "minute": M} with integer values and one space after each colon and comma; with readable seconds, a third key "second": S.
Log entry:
{"hour": 12, "minute": 47}
